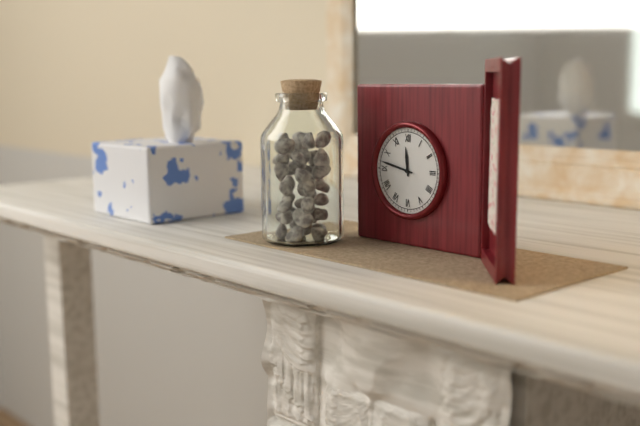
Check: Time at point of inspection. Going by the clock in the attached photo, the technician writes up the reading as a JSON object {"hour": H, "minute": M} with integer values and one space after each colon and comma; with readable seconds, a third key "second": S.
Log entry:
{"hour": 11, "minute": 47}
